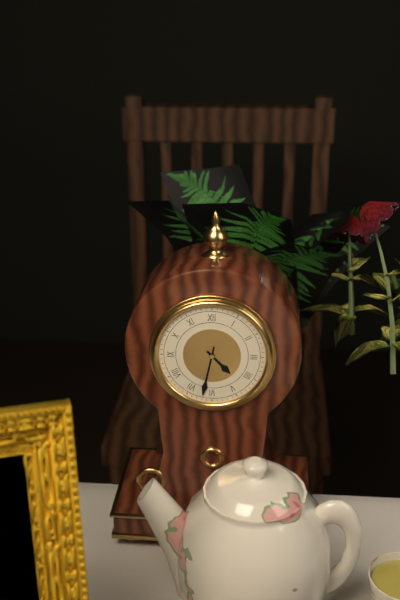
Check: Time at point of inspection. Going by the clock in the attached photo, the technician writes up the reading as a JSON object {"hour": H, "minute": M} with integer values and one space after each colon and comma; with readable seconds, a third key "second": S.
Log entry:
{"hour": 4, "minute": 32}
